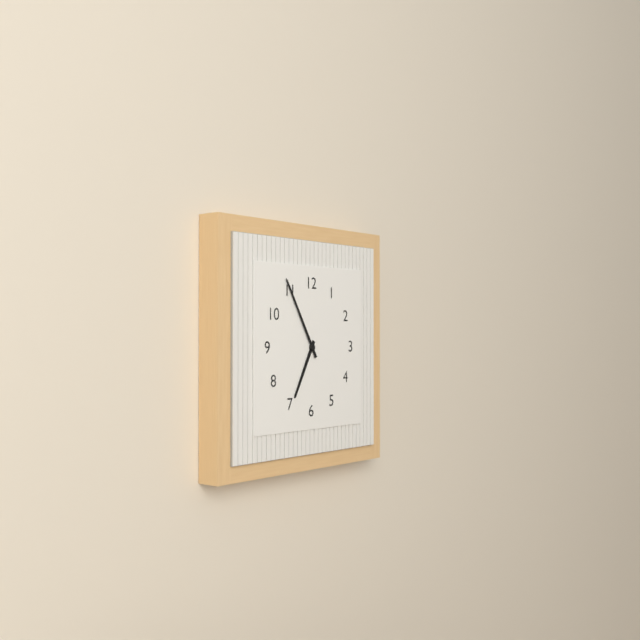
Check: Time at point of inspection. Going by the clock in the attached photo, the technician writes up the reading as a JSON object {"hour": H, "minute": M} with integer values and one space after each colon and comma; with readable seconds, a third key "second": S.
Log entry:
{"hour": 6, "minute": 55}
